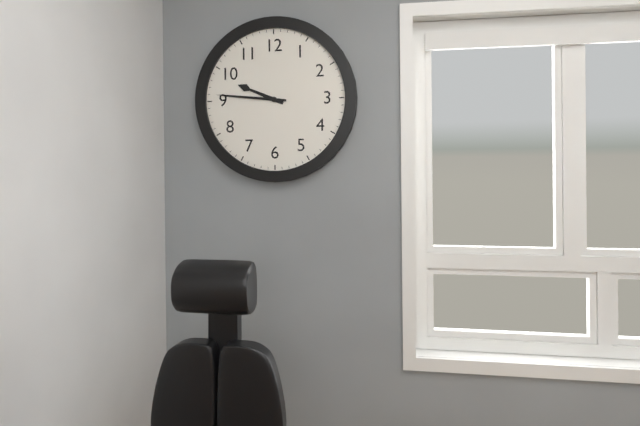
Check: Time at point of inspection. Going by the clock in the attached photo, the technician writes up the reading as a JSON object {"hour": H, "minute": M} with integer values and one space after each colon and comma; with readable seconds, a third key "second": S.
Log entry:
{"hour": 9, "minute": 46}
